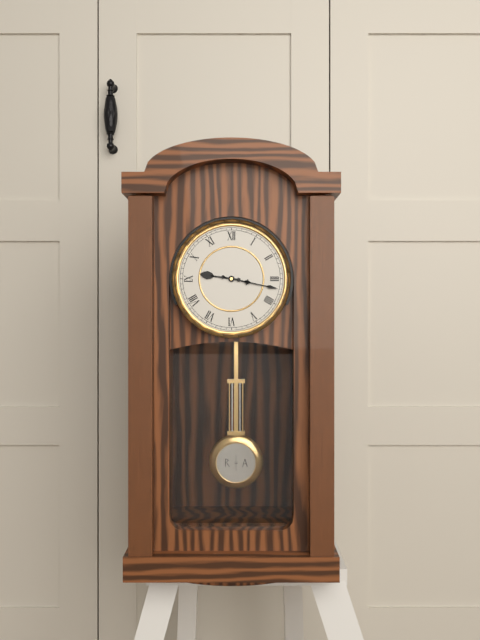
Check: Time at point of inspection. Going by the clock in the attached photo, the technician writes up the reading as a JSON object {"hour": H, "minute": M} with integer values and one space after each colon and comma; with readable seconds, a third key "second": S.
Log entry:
{"hour": 9, "minute": 17}
